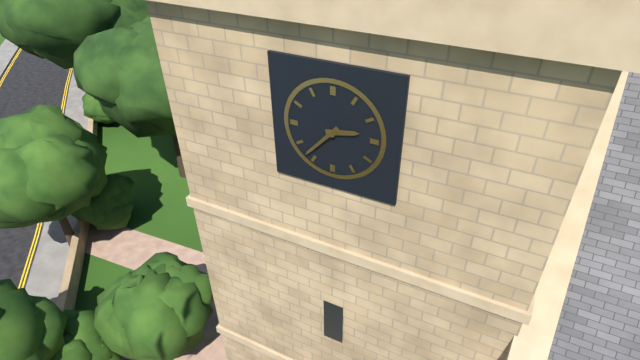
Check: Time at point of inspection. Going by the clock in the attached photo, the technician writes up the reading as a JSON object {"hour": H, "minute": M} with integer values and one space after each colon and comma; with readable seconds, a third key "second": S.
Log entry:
{"hour": 2, "minute": 37}
